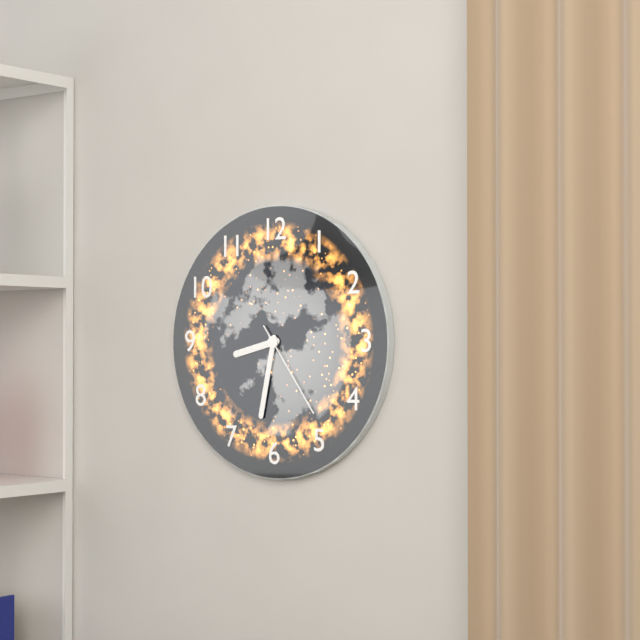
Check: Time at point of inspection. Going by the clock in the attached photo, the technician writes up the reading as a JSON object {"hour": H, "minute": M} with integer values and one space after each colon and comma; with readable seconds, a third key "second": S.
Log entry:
{"hour": 8, "minute": 32, "second": 24}
